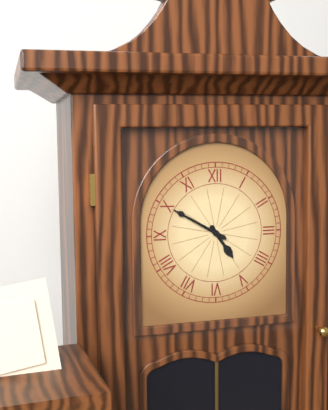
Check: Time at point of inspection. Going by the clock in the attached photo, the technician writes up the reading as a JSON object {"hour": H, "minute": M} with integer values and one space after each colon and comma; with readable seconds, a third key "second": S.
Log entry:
{"hour": 4, "minute": 50}
